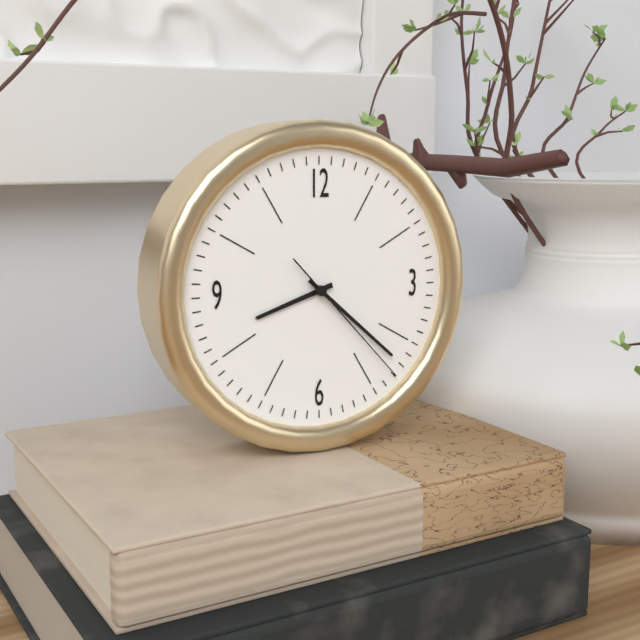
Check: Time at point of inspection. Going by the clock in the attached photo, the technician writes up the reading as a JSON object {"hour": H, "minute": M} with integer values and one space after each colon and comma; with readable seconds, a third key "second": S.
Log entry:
{"hour": 8, "minute": 22, "second": 23}
